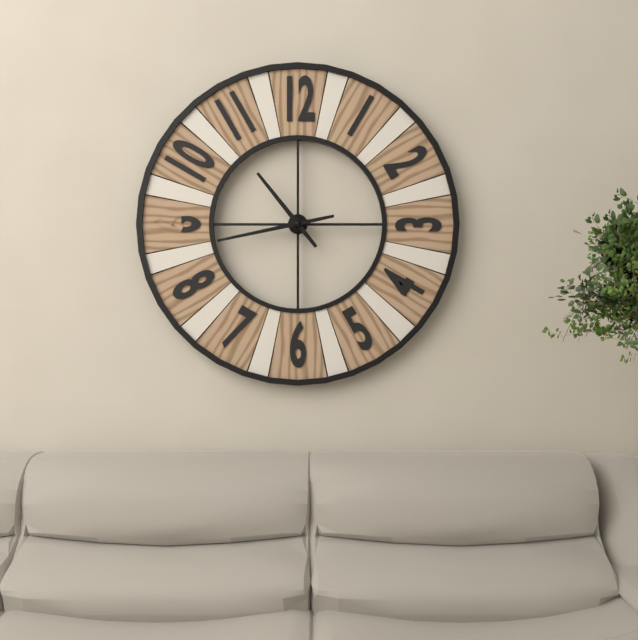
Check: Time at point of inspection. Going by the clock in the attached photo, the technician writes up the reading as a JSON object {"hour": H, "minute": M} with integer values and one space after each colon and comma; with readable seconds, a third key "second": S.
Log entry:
{"hour": 10, "minute": 43}
